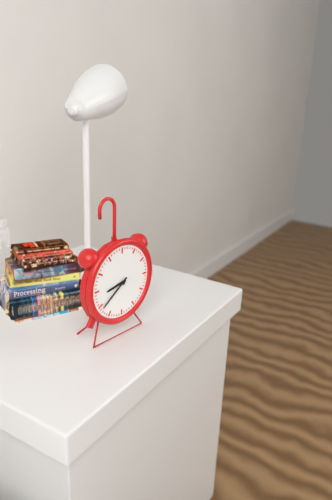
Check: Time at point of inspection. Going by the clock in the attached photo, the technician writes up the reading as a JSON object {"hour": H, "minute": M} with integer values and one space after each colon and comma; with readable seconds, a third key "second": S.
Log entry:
{"hour": 8, "minute": 39}
